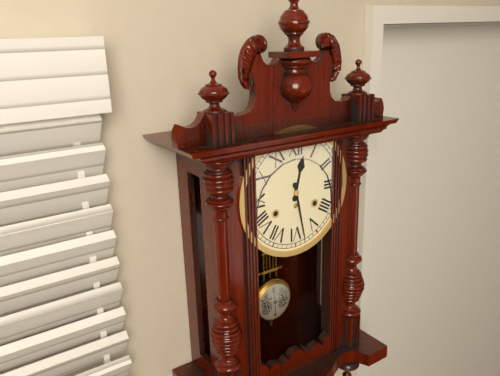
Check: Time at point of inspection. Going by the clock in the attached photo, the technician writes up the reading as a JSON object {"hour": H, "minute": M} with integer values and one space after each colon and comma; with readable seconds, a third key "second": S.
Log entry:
{"hour": 12, "minute": 28}
